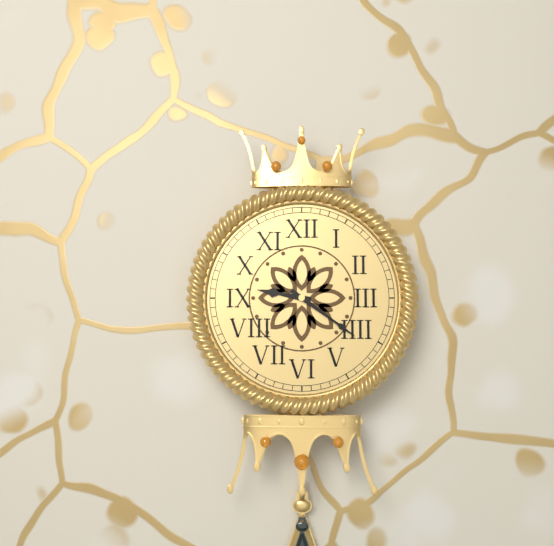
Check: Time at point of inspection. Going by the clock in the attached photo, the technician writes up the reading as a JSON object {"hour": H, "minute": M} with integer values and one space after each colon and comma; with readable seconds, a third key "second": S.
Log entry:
{"hour": 9, "minute": 21}
